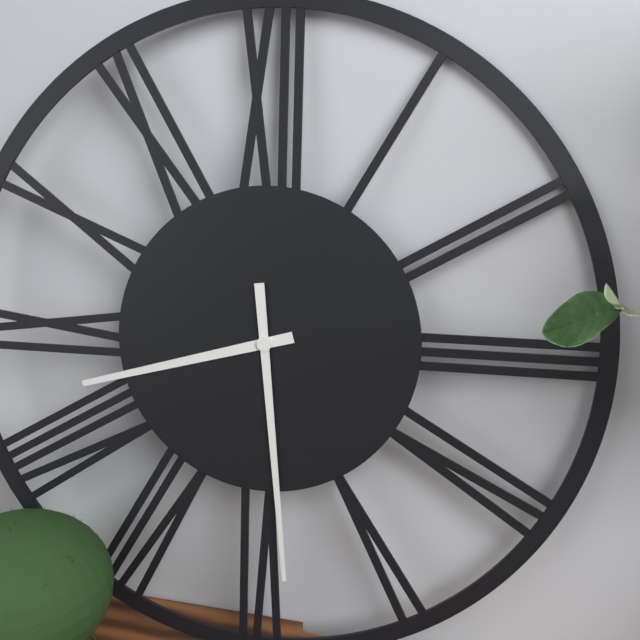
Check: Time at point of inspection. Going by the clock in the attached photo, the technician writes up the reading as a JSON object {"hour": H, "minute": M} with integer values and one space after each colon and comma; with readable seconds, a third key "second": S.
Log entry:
{"hour": 8, "minute": 29}
